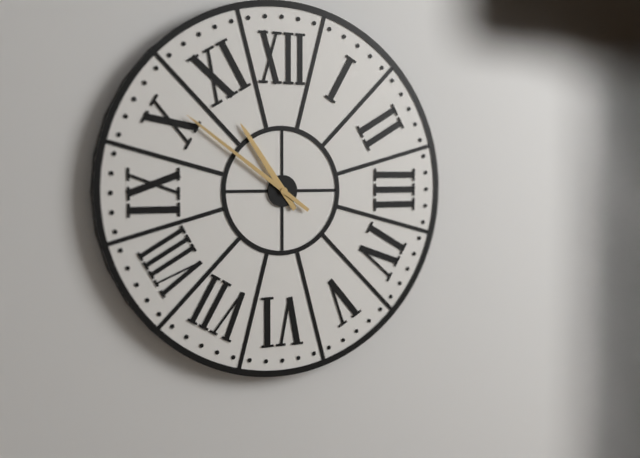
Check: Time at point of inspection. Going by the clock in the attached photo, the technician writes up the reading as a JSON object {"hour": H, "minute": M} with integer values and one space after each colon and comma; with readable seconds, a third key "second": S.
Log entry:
{"hour": 10, "minute": 51}
